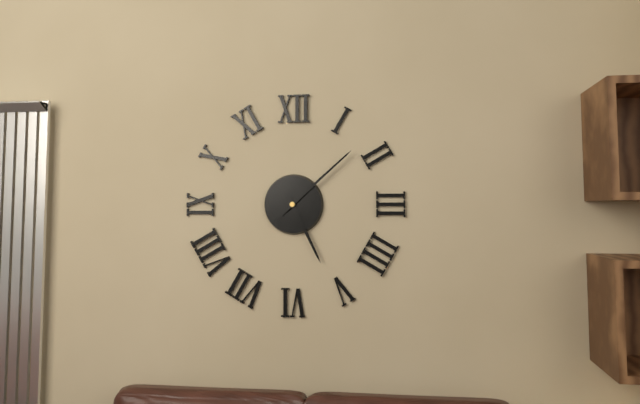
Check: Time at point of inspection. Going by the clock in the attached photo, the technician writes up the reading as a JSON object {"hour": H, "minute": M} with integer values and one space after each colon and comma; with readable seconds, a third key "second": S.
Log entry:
{"hour": 5, "minute": 8}
